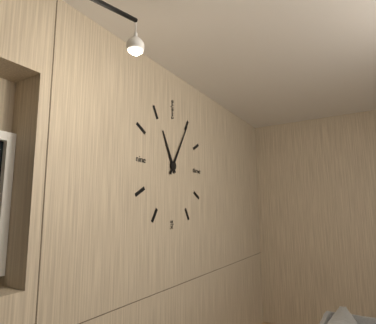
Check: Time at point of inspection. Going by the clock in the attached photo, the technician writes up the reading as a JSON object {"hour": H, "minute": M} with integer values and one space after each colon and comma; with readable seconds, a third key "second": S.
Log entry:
{"hour": 11, "minute": 5}
